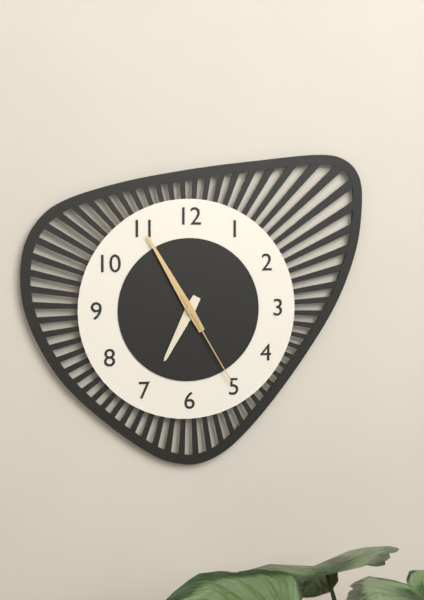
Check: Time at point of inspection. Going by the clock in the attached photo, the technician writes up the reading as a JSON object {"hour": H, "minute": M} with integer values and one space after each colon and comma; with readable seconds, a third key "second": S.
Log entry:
{"hour": 6, "minute": 55, "second": 25}
